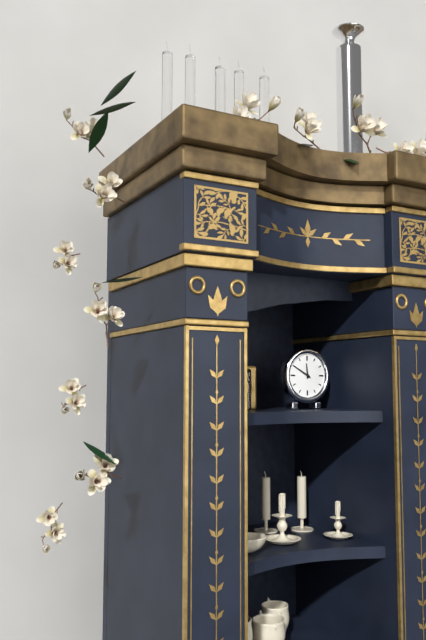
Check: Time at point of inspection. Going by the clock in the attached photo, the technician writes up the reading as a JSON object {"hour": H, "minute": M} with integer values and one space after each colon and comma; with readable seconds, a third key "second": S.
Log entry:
{"hour": 11, "minute": 50}
